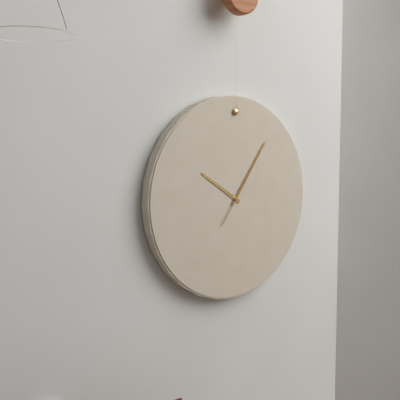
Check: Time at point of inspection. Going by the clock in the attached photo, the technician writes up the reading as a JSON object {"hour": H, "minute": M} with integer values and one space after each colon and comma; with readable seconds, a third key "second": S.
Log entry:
{"hour": 10, "minute": 6, "second": 6}
